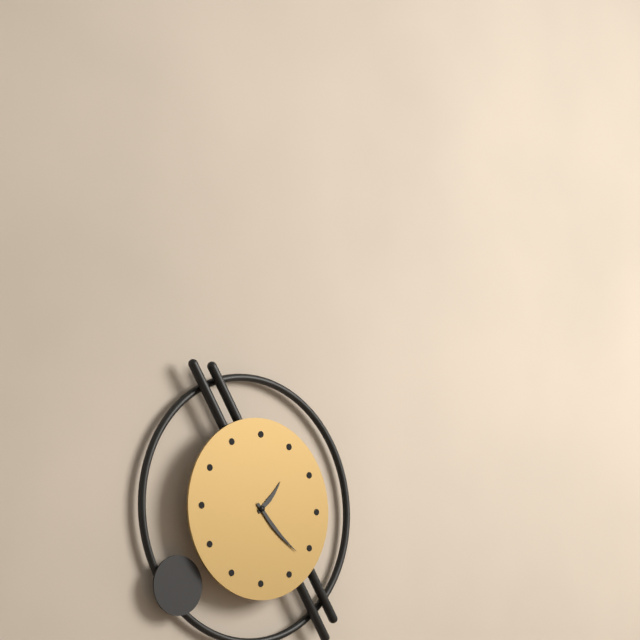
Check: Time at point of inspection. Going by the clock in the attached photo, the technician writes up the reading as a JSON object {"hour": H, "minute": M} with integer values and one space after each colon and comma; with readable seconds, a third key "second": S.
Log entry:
{"hour": 1, "minute": 22}
